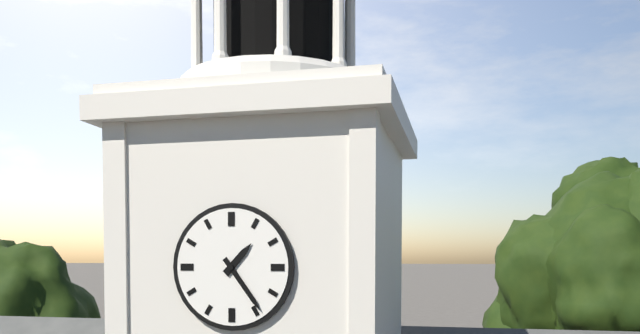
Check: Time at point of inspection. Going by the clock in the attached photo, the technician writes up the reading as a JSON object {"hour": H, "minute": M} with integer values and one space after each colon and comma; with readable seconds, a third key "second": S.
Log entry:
{"hour": 1, "minute": 24}
